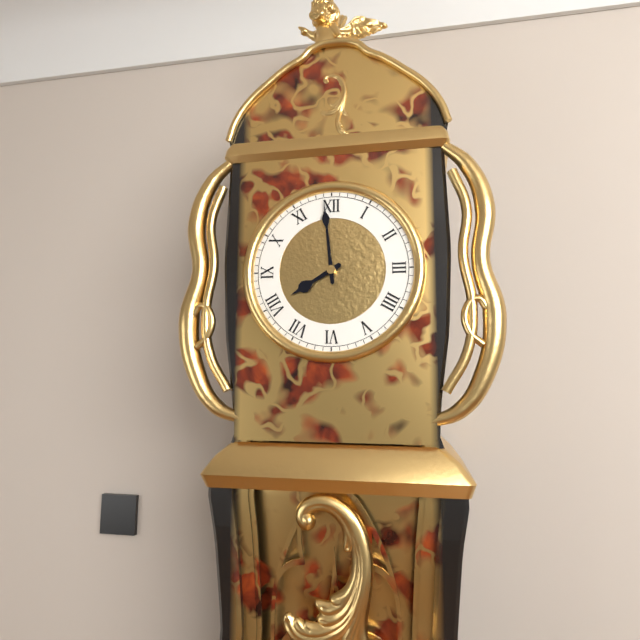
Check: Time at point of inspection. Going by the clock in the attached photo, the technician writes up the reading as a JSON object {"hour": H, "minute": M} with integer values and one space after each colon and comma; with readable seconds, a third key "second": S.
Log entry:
{"hour": 7, "minute": 59}
